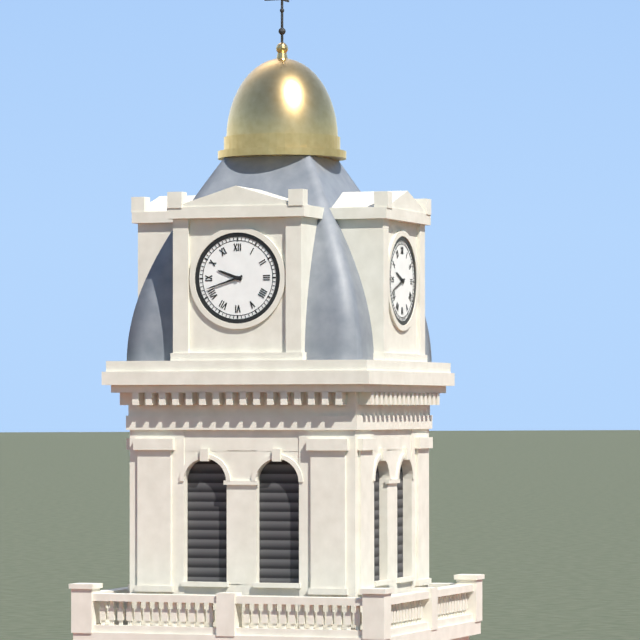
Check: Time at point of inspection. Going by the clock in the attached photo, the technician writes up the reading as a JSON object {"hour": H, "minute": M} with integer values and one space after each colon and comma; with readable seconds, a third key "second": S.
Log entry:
{"hour": 9, "minute": 42}
